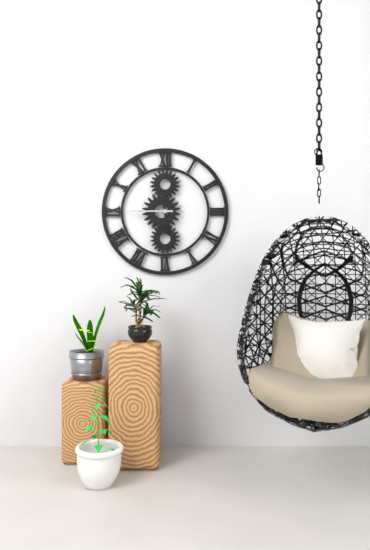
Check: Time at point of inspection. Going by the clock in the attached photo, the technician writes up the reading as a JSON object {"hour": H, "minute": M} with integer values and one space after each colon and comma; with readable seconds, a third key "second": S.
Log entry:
{"hour": 5, "minute": 45}
